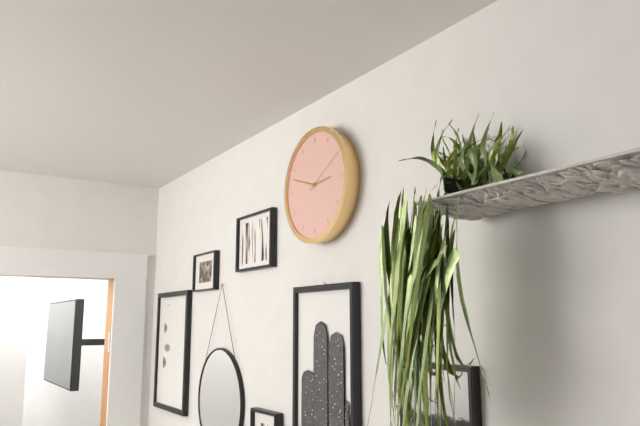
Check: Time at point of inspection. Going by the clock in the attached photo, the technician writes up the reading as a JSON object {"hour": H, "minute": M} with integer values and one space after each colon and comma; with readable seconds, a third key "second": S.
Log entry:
{"hour": 2, "minute": 48}
